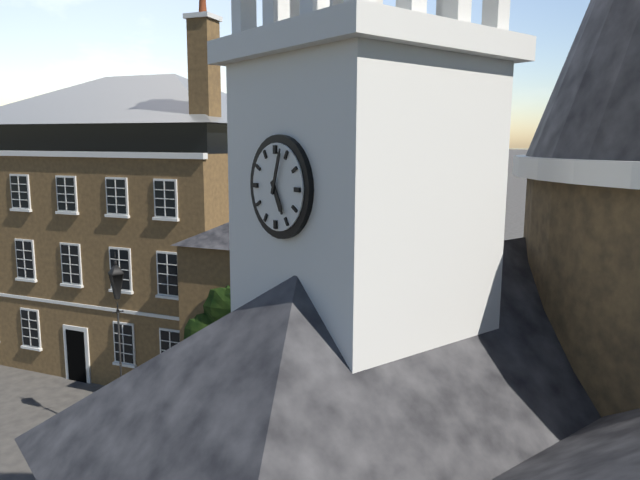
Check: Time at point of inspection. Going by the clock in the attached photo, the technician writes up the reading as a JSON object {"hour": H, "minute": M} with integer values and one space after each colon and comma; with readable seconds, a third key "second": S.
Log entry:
{"hour": 5, "minute": 3}
